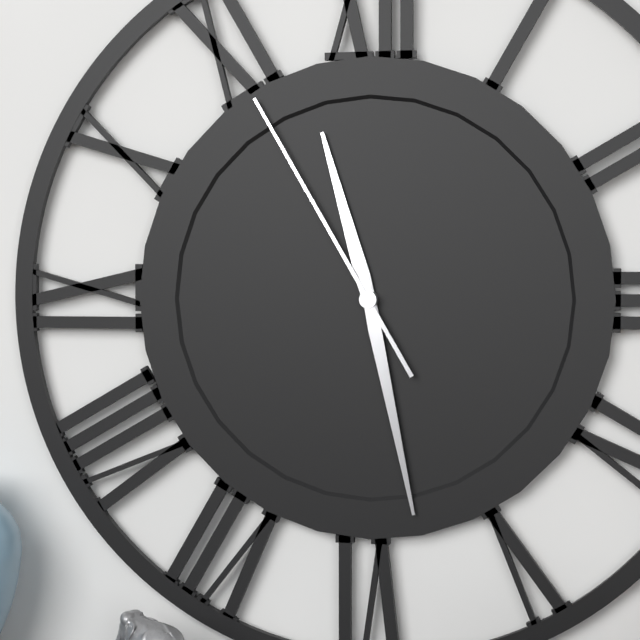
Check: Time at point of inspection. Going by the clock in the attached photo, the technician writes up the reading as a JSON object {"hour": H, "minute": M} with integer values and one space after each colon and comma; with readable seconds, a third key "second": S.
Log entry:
{"hour": 11, "minute": 28, "second": 55}
